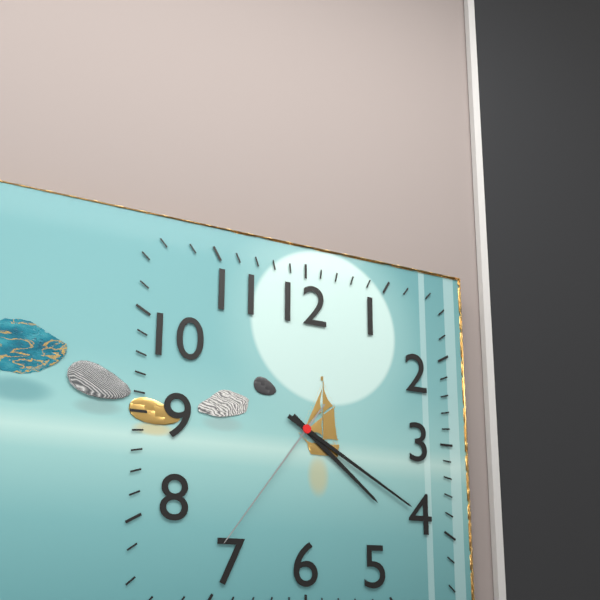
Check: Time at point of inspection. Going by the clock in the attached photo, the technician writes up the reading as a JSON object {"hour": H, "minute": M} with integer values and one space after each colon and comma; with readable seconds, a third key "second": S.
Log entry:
{"hour": 4, "minute": 20, "second": 36}
